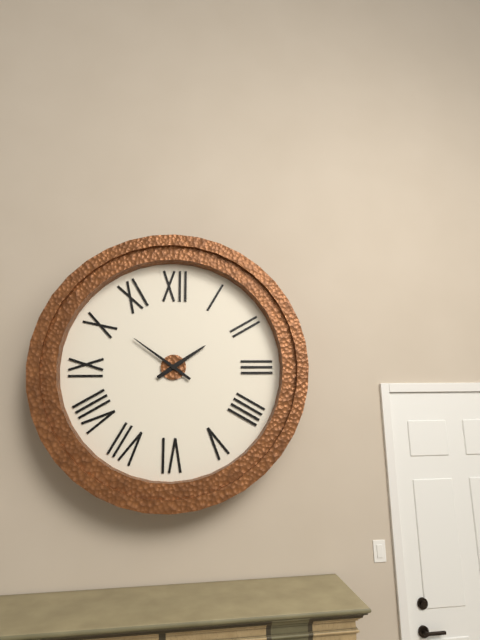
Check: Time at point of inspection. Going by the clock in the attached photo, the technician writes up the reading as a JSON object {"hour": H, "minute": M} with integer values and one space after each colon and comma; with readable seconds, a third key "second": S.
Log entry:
{"hour": 1, "minute": 51}
